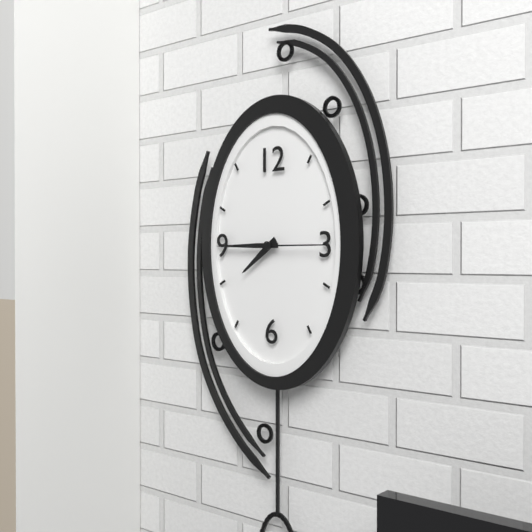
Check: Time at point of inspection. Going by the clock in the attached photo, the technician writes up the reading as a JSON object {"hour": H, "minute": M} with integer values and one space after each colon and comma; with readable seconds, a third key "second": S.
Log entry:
{"hour": 7, "minute": 45, "second": 15}
